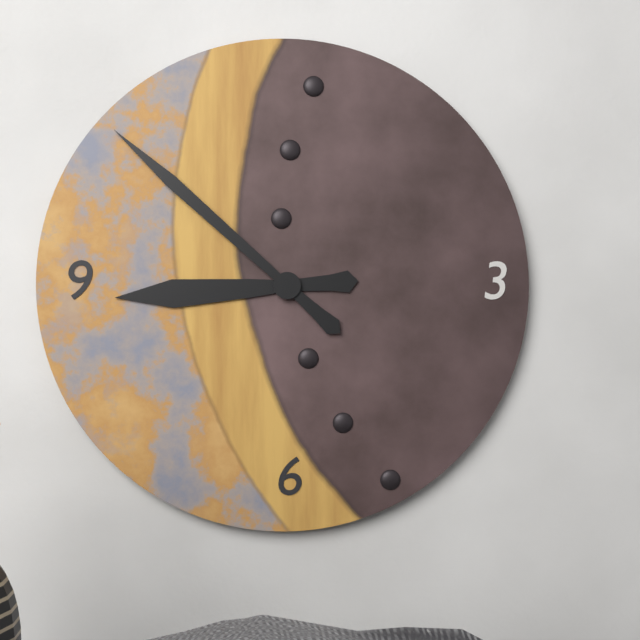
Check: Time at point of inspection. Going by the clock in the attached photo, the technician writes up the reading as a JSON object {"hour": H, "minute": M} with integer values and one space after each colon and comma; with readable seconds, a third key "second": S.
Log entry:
{"hour": 8, "minute": 52}
